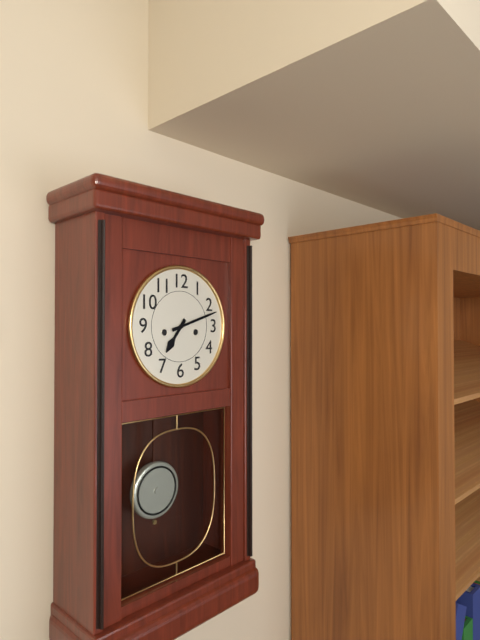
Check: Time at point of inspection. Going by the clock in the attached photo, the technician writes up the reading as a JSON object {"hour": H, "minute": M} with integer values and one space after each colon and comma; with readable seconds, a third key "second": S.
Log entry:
{"hour": 7, "minute": 12}
